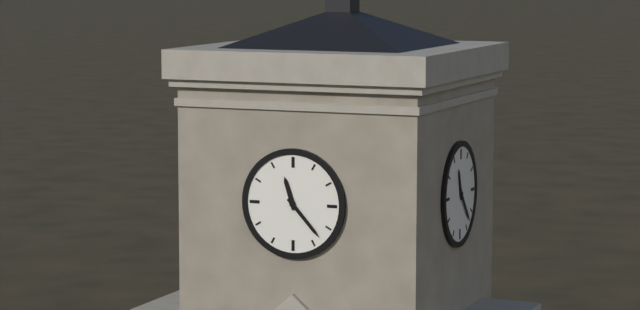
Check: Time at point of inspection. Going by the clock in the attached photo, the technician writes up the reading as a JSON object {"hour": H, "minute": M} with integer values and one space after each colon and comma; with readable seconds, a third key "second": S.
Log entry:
{"hour": 11, "minute": 23}
